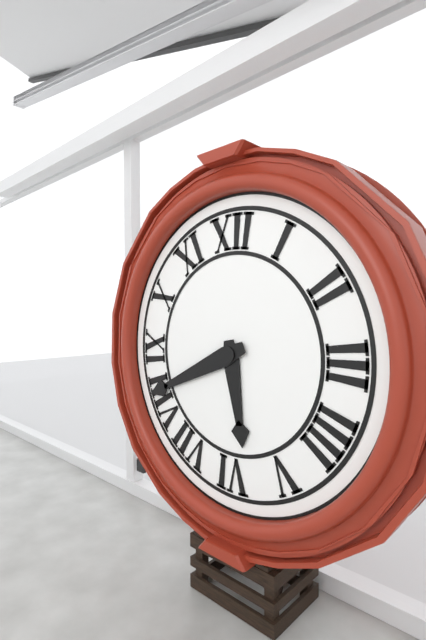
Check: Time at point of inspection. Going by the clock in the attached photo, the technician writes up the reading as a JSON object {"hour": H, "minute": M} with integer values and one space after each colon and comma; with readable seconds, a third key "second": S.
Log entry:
{"hour": 5, "minute": 41}
